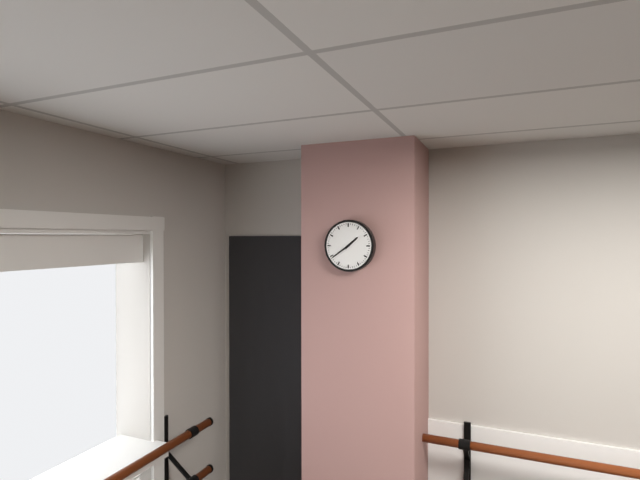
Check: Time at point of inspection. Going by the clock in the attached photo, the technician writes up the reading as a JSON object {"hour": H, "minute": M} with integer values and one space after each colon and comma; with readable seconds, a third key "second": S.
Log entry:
{"hour": 1, "minute": 39}
